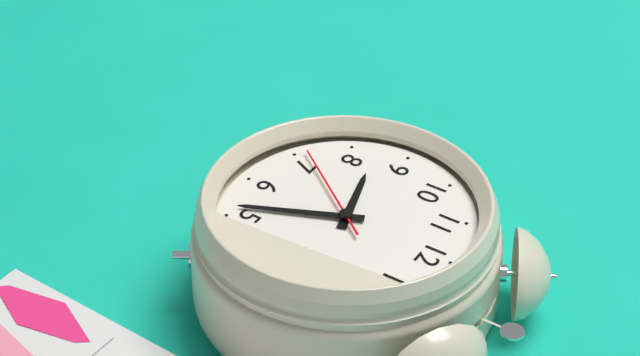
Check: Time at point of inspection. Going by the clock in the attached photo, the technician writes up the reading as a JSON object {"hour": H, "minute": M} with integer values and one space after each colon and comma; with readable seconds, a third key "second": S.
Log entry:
{"hour": 8, "minute": 26, "second": 36}
